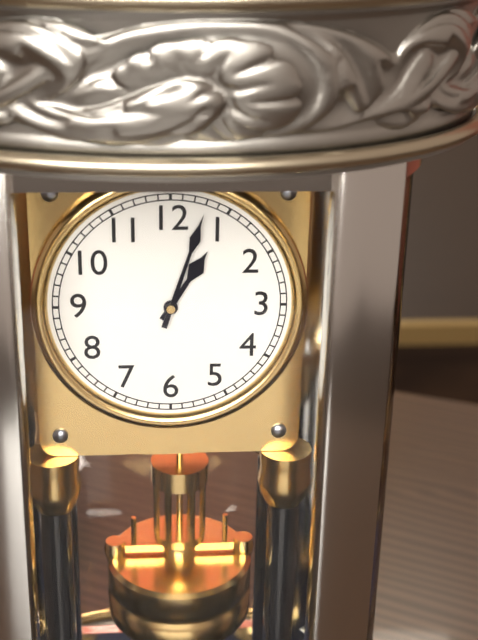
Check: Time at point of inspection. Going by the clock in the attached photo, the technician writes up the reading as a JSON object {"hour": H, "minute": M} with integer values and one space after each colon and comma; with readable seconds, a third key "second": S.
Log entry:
{"hour": 1, "minute": 3}
